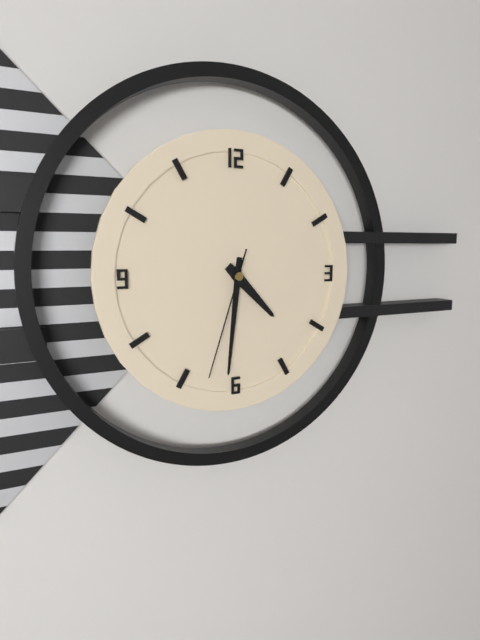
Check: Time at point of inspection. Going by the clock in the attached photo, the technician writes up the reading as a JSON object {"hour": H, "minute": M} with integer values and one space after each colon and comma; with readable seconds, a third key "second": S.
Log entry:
{"hour": 4, "minute": 31, "second": 33}
